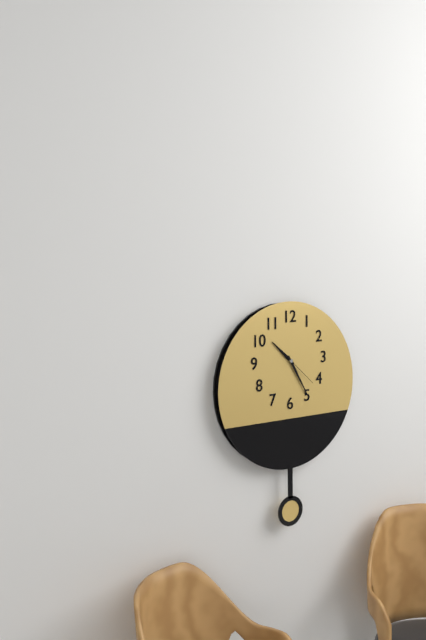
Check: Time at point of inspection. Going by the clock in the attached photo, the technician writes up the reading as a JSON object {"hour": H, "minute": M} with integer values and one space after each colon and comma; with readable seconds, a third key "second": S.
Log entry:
{"hour": 10, "minute": 25}
